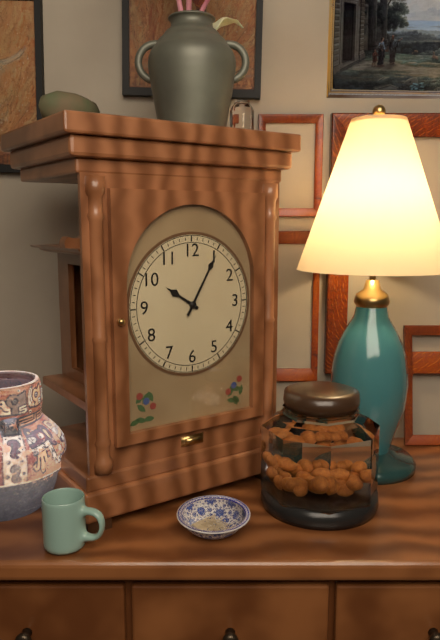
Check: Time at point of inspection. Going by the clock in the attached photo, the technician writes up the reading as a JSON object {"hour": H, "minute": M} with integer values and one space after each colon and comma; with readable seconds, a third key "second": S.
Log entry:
{"hour": 10, "minute": 5}
